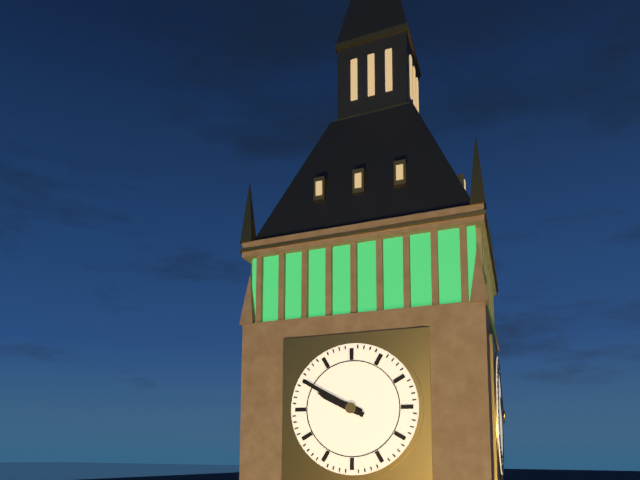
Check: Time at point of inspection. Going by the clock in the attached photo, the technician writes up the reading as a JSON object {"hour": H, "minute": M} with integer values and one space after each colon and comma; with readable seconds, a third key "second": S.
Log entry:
{"hour": 9, "minute": 50}
